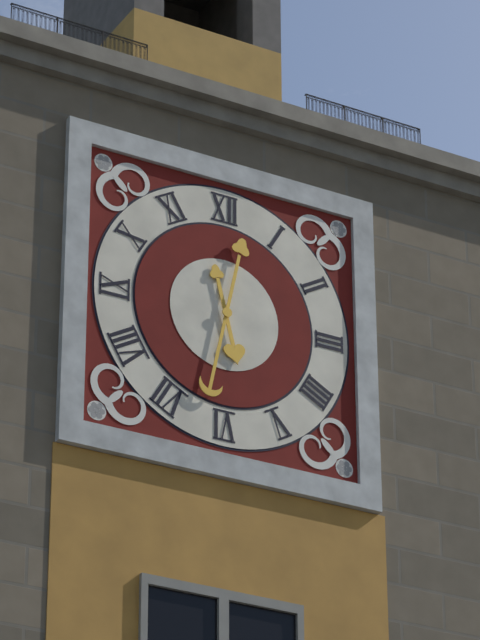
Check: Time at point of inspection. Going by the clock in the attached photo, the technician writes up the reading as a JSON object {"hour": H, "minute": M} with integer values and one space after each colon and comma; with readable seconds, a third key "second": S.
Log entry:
{"hour": 5, "minute": 32}
